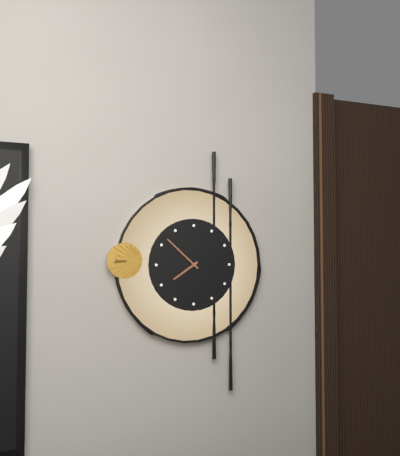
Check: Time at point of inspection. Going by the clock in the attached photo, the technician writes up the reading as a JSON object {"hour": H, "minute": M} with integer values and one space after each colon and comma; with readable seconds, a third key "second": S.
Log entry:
{"hour": 7, "minute": 52}
